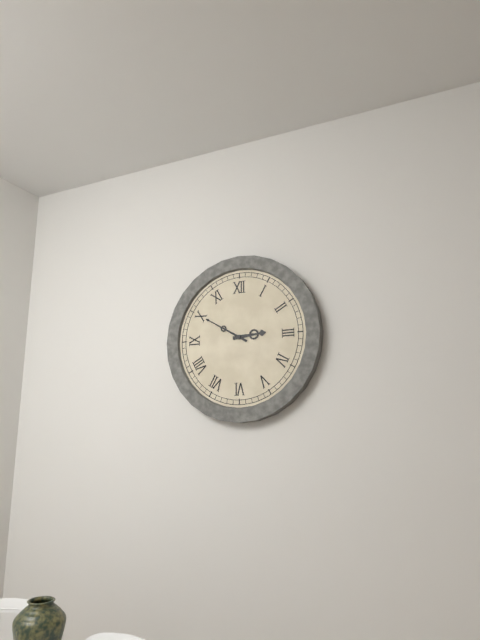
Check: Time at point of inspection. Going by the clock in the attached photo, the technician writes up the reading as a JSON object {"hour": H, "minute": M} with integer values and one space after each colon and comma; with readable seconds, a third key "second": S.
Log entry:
{"hour": 2, "minute": 50}
